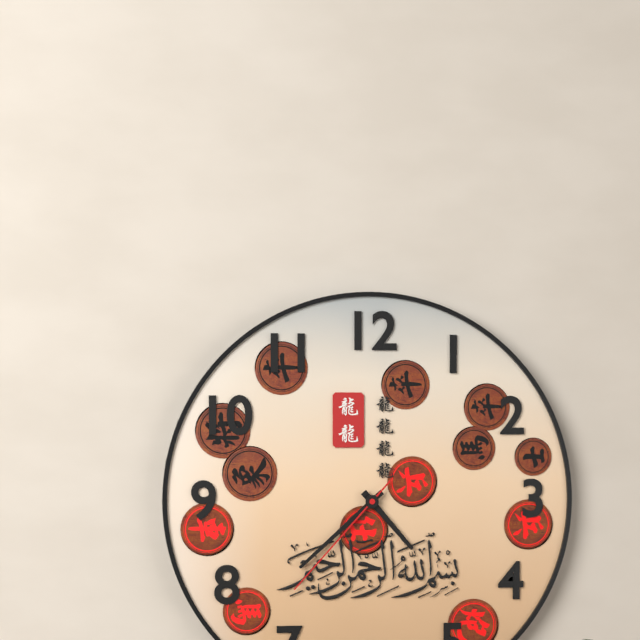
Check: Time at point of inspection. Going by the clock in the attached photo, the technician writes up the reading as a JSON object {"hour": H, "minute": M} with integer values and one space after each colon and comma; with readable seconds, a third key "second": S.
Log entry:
{"hour": 4, "minute": 38, "second": 37}
